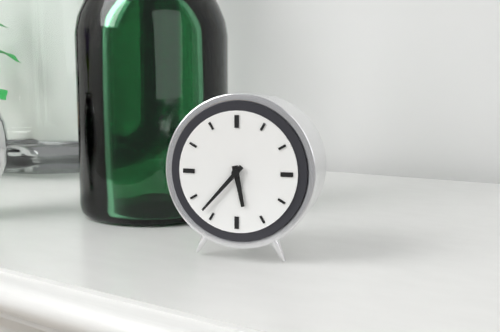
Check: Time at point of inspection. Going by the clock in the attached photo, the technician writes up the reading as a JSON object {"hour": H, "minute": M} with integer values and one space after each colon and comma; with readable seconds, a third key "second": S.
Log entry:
{"hour": 5, "minute": 37}
